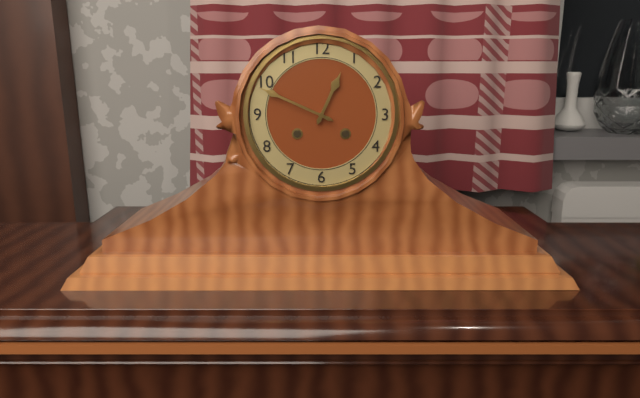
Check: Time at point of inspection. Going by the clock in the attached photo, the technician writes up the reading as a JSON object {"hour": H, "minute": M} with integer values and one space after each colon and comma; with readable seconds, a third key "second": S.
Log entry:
{"hour": 12, "minute": 49}
